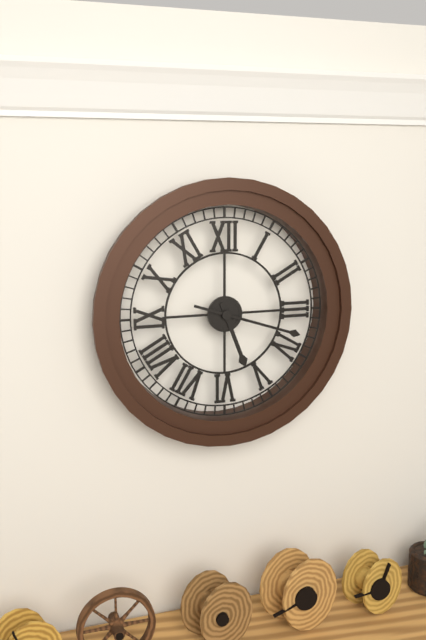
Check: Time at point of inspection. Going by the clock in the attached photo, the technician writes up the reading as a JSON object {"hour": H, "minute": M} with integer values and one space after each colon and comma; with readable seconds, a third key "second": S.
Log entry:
{"hour": 5, "minute": 18}
